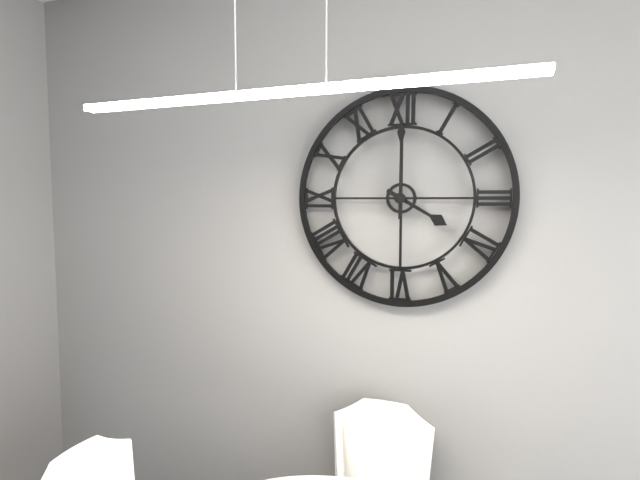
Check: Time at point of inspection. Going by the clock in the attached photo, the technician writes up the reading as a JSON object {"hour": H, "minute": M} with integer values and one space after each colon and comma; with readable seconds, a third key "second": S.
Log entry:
{"hour": 4, "minute": 0}
